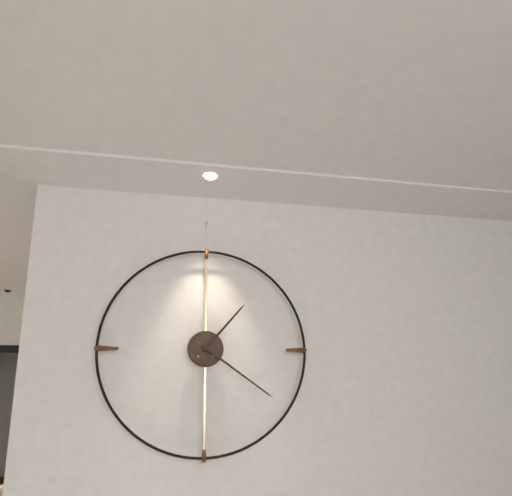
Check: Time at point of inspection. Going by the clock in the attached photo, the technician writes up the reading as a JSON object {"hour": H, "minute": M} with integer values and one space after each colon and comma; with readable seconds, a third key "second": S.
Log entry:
{"hour": 1, "minute": 21}
